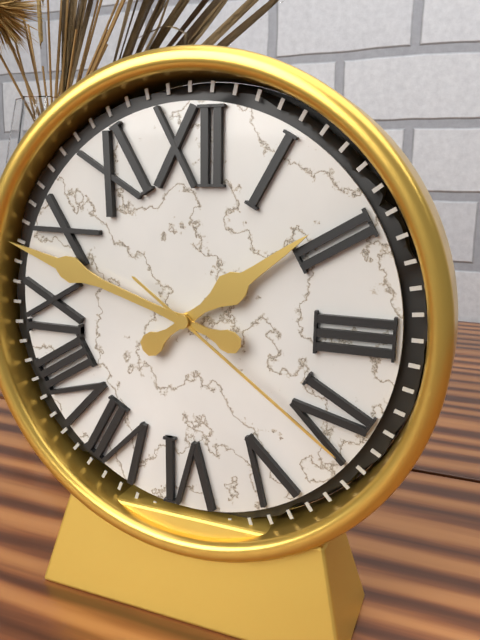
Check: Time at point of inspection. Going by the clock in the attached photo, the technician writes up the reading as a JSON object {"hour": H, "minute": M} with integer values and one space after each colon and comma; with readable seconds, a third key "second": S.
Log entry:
{"hour": 1, "minute": 48, "second": 21}
